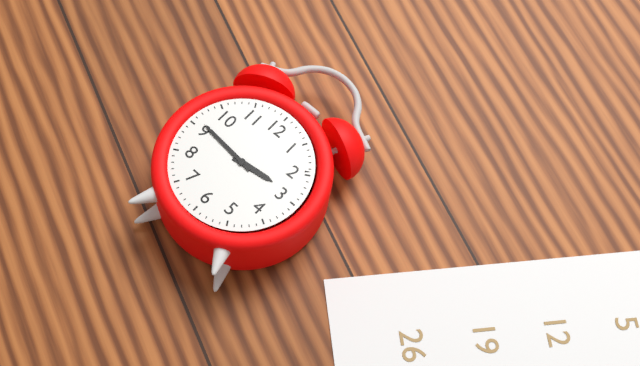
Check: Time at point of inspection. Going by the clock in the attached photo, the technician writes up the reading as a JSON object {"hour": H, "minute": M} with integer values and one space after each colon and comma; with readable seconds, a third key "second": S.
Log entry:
{"hour": 2, "minute": 46}
